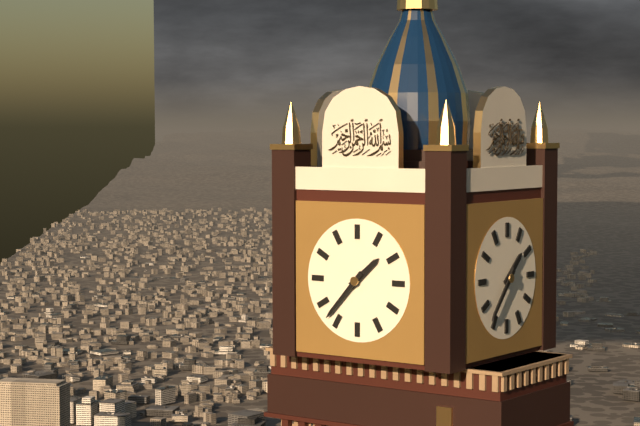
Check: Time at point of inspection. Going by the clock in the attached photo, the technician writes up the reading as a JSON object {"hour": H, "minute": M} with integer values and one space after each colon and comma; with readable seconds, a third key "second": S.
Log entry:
{"hour": 1, "minute": 37}
